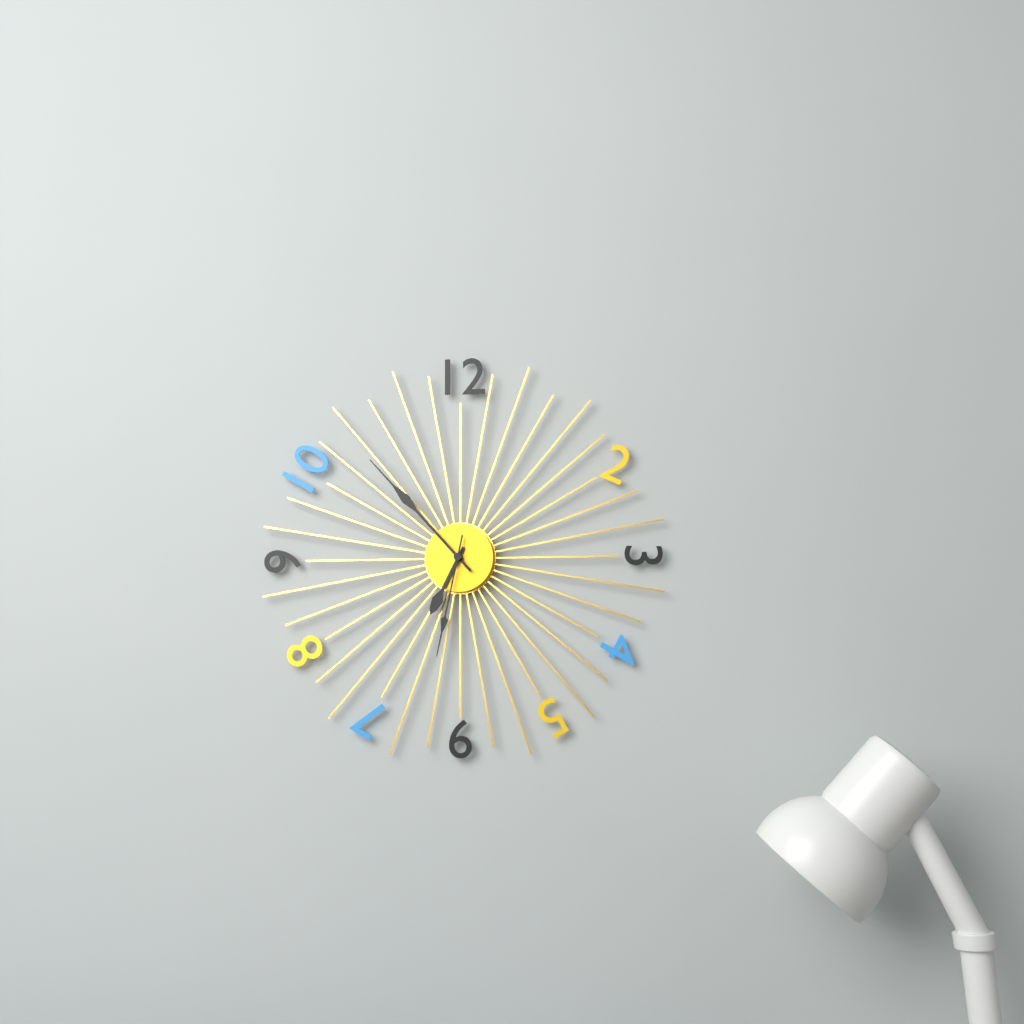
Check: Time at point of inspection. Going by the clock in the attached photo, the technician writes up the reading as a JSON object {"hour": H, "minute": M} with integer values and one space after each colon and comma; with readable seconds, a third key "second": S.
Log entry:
{"hour": 6, "minute": 53, "second": 32}
